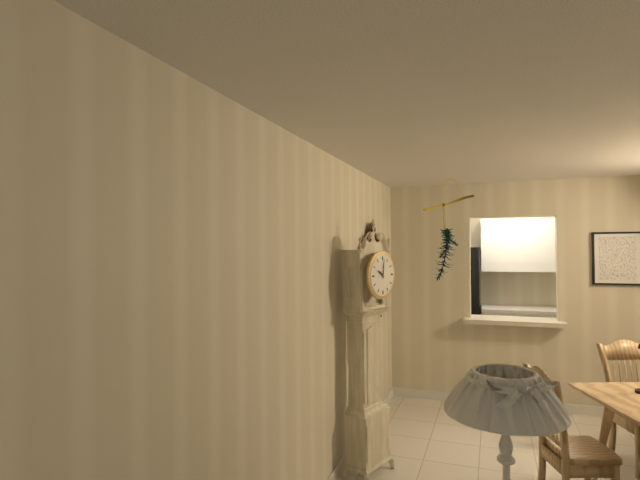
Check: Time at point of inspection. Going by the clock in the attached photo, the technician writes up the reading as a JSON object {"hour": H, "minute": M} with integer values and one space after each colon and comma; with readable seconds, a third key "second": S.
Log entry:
{"hour": 10, "minute": 1}
